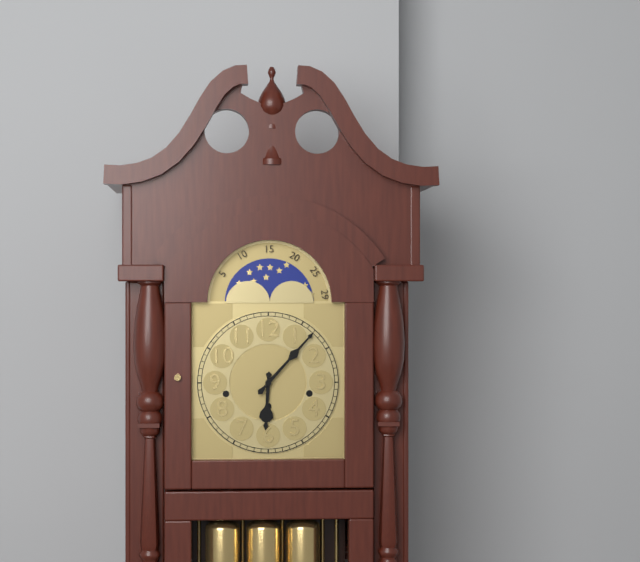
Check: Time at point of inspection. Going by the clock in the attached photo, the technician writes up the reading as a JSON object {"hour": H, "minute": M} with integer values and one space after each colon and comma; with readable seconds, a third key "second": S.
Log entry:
{"hour": 6, "minute": 7}
